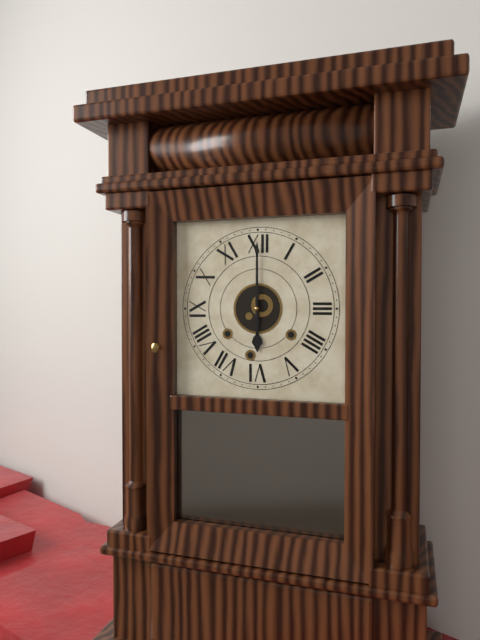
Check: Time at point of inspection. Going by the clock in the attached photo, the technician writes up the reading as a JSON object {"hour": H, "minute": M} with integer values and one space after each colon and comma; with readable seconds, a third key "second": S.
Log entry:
{"hour": 6, "minute": 0}
